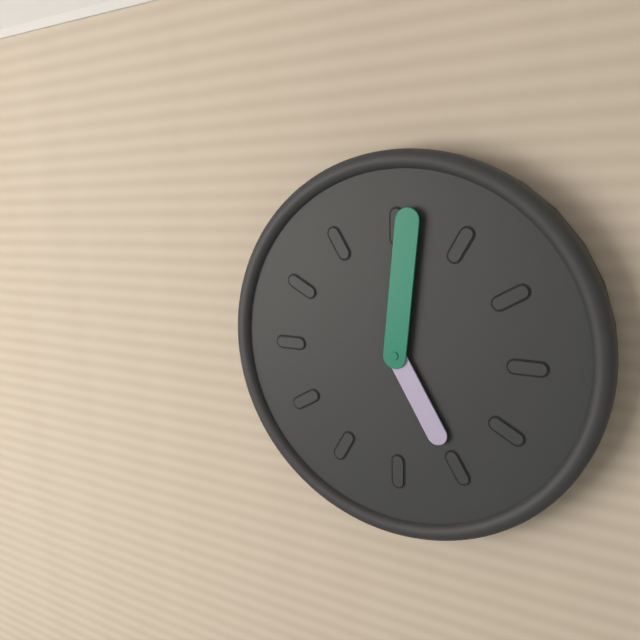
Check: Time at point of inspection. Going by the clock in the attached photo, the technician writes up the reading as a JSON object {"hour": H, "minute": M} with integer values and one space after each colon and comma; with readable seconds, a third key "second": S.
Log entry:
{"hour": 5, "minute": 1}
